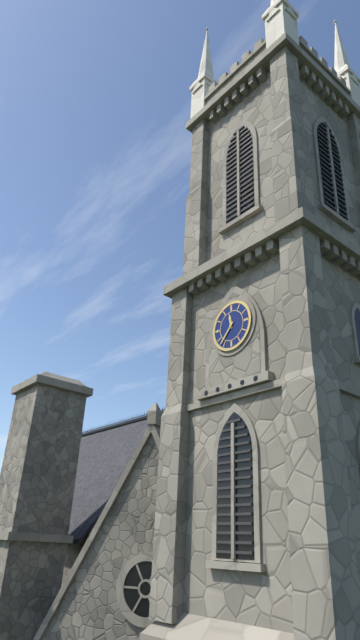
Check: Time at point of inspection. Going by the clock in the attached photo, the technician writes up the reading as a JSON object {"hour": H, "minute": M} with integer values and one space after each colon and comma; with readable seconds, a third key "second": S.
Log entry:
{"hour": 11, "minute": 37}
